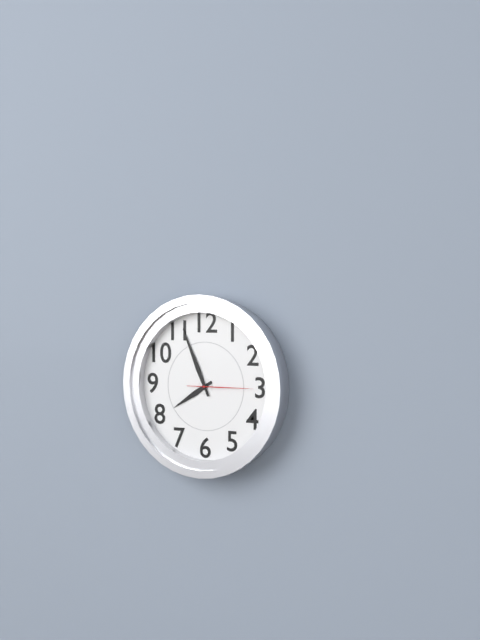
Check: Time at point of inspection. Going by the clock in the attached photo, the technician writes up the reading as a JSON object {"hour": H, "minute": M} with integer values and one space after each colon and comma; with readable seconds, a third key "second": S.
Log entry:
{"hour": 7, "minute": 56, "second": 15}
